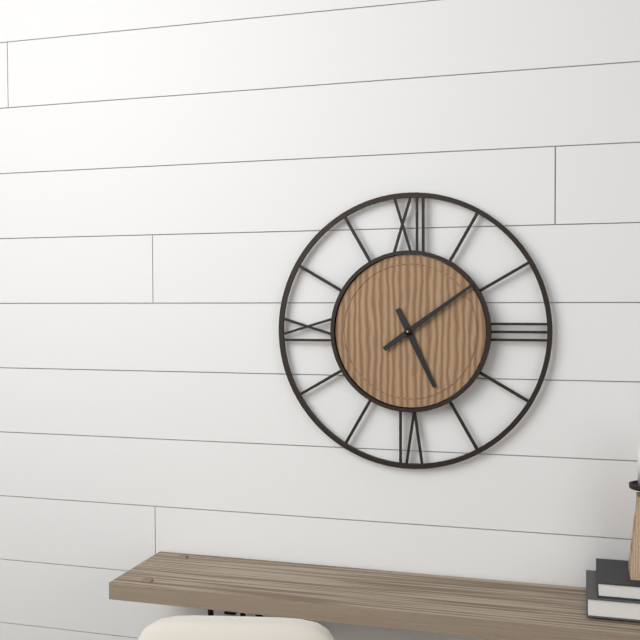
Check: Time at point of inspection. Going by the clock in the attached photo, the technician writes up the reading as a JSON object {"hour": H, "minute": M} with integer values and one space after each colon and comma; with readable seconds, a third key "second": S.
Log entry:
{"hour": 5, "minute": 9}
